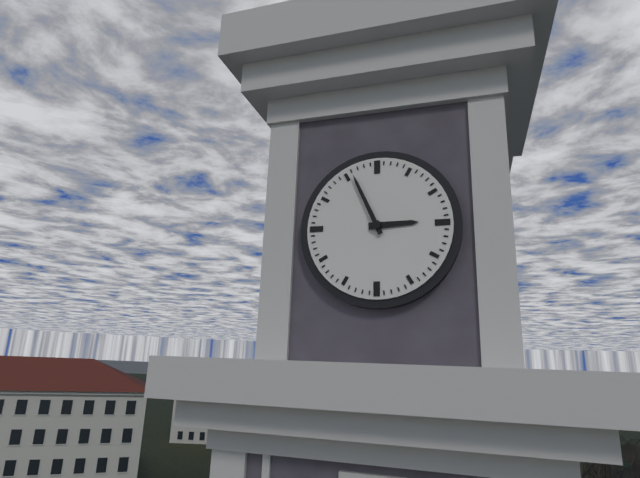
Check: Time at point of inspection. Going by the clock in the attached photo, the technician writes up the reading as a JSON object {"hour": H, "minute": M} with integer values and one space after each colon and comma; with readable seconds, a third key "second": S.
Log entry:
{"hour": 2, "minute": 56}
